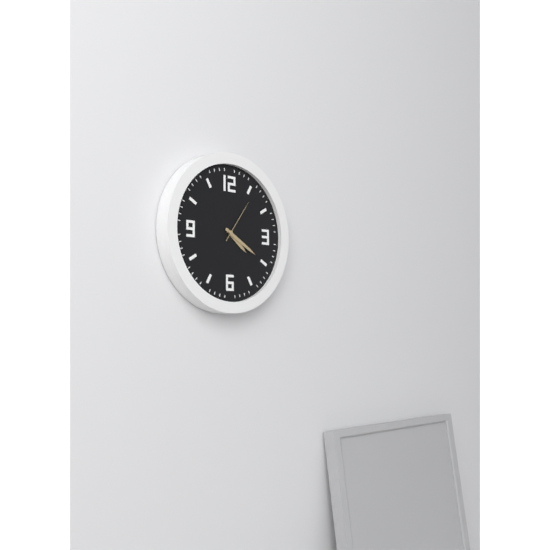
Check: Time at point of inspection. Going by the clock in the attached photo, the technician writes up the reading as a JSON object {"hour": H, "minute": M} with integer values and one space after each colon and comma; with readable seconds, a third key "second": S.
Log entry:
{"hour": 4, "minute": 20}
